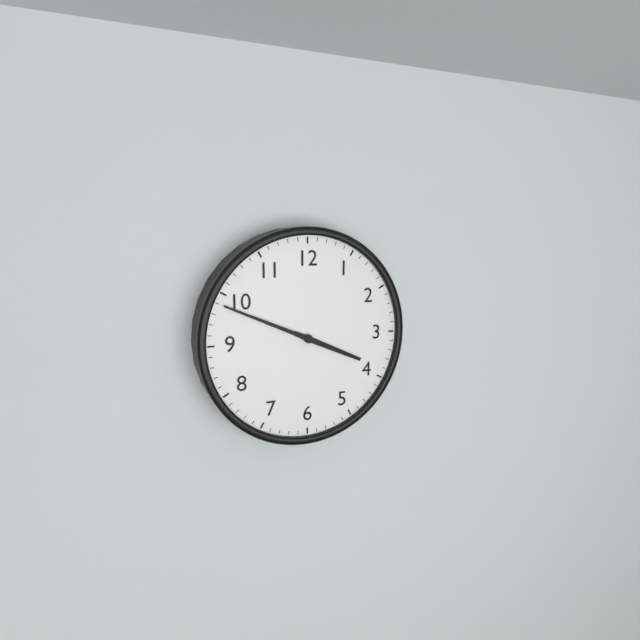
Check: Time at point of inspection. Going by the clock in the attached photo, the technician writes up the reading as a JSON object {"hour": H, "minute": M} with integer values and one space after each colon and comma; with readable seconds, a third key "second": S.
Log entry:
{"hour": 3, "minute": 49}
